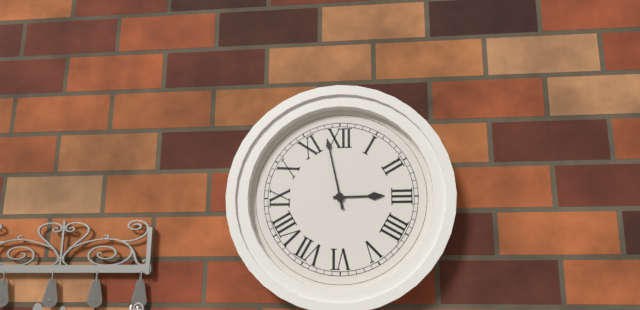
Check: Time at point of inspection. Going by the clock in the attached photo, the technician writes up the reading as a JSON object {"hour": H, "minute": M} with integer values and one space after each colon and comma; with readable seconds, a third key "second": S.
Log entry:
{"hour": 2, "minute": 58}
